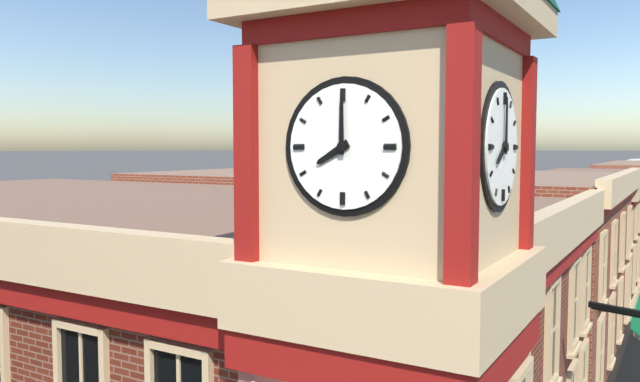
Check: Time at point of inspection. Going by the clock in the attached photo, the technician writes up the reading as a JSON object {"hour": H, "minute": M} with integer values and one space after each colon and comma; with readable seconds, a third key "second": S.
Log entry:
{"hour": 8, "minute": 0}
